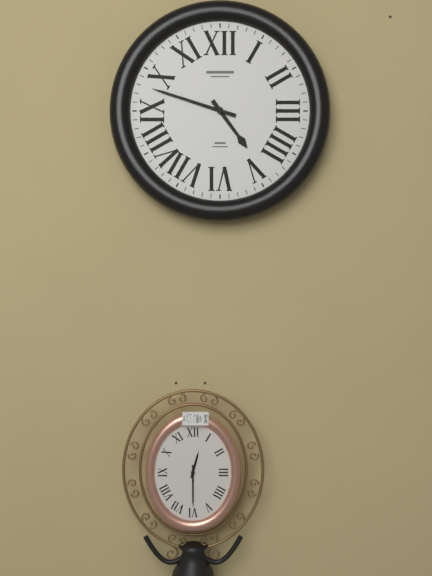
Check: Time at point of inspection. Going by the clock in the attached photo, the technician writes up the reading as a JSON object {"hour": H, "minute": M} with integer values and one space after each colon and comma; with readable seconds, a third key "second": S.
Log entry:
{"hour": 4, "minute": 48}
